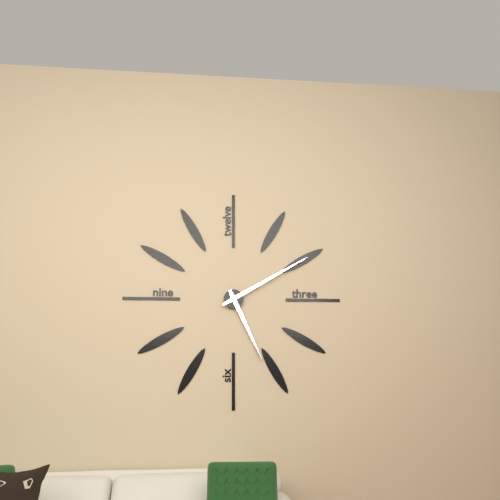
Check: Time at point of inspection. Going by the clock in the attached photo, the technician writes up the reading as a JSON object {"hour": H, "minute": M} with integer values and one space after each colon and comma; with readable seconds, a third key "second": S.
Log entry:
{"hour": 5, "minute": 10}
